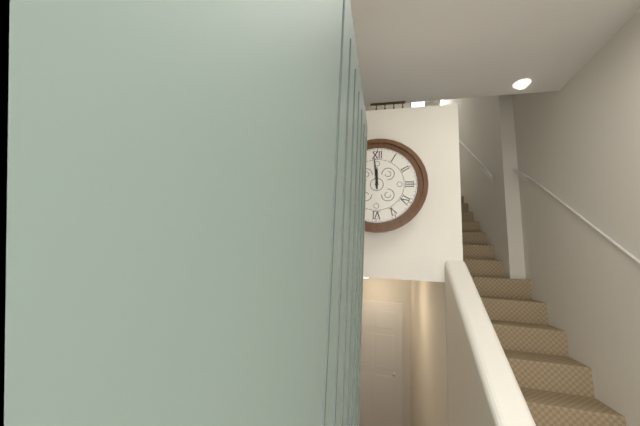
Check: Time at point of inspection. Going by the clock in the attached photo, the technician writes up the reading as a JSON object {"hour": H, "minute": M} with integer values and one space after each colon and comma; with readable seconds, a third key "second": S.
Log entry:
{"hour": 11, "minute": 59}
